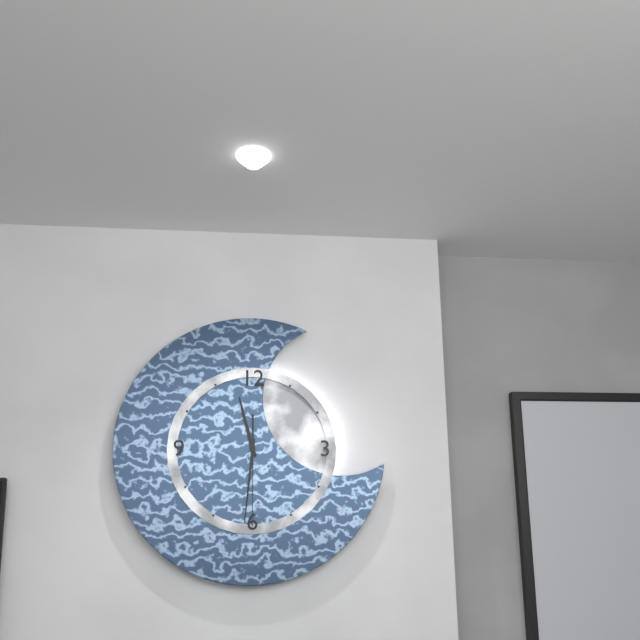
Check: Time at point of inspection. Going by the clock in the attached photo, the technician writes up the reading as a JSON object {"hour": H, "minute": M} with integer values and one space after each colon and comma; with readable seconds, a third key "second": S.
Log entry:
{"hour": 11, "minute": 31, "second": 30}
